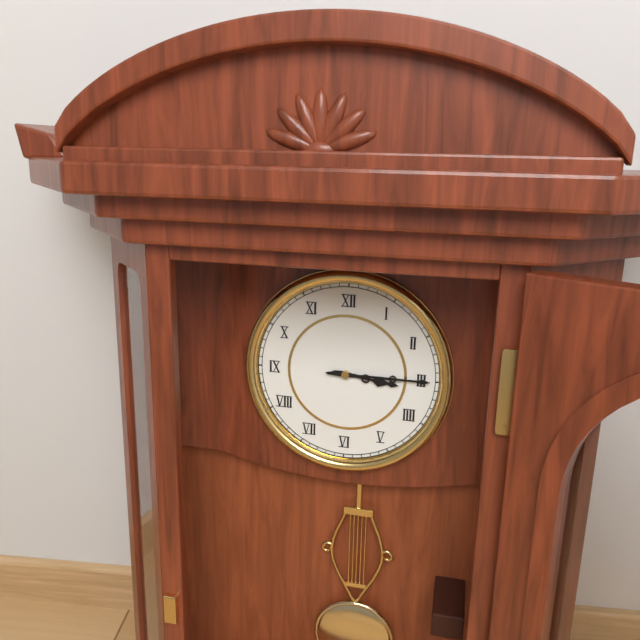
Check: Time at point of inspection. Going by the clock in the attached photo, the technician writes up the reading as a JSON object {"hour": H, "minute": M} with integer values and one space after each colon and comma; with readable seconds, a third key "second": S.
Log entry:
{"hour": 3, "minute": 15}
